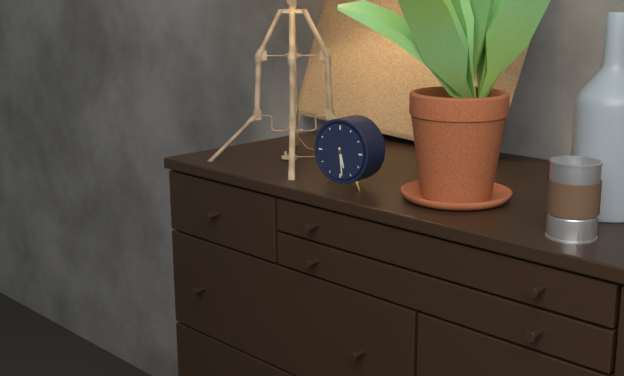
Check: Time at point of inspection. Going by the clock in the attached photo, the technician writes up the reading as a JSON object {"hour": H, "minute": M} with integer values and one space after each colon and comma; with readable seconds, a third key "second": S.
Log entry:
{"hour": 5, "minute": 29}
